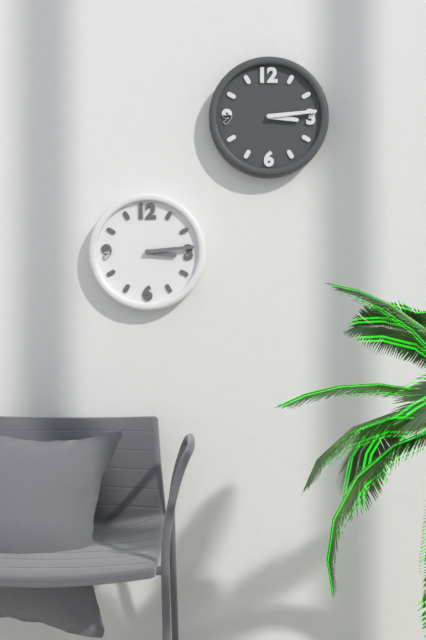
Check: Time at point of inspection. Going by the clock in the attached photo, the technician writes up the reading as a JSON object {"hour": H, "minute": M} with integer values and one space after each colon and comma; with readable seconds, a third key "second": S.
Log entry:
{"hour": 3, "minute": 14}
